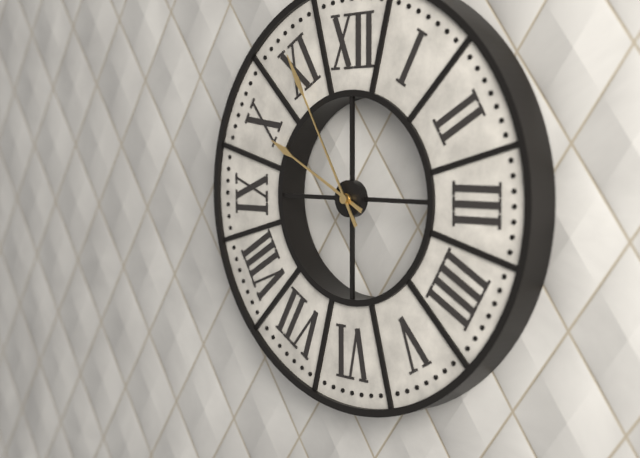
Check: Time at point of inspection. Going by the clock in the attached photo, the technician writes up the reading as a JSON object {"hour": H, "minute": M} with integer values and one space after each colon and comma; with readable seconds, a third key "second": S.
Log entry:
{"hour": 9, "minute": 55}
